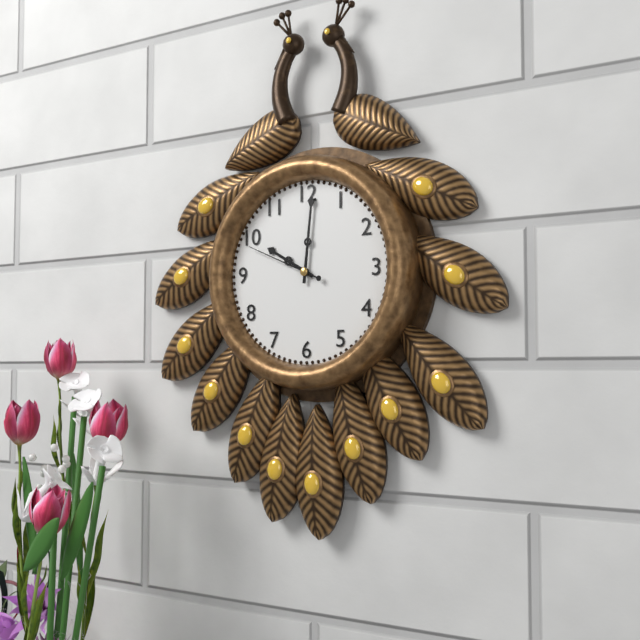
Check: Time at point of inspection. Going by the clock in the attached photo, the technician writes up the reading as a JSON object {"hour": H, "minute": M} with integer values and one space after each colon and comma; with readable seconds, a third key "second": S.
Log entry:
{"hour": 10, "minute": 1, "second": 49}
